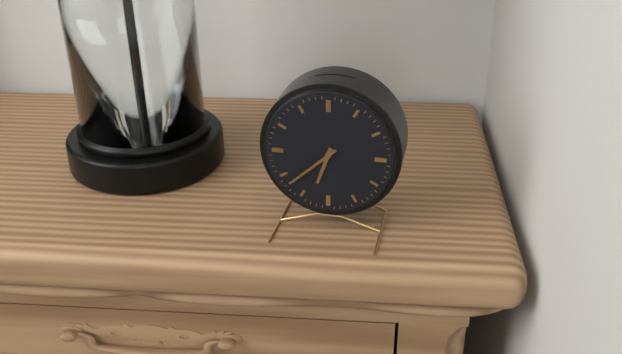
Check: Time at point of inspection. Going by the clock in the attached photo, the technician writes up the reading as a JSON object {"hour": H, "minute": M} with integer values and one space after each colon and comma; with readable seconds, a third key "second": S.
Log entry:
{"hour": 6, "minute": 38}
